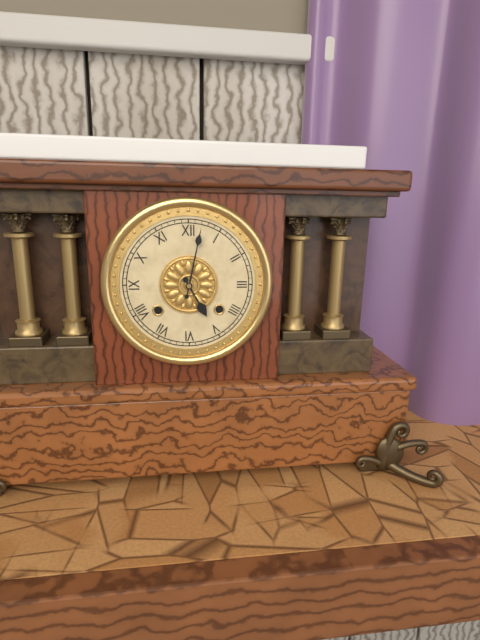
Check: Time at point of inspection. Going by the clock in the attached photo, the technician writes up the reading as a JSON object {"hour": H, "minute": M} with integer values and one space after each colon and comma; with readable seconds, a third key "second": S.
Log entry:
{"hour": 5, "minute": 2}
